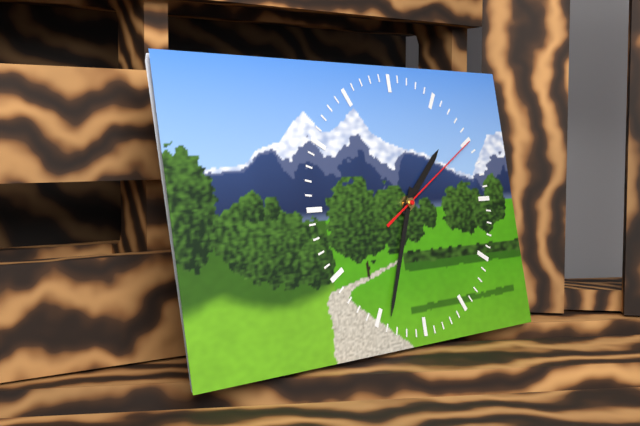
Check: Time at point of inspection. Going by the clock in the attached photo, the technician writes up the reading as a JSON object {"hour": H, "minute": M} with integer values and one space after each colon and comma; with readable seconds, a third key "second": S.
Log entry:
{"hour": 1, "minute": 34, "second": 10}
